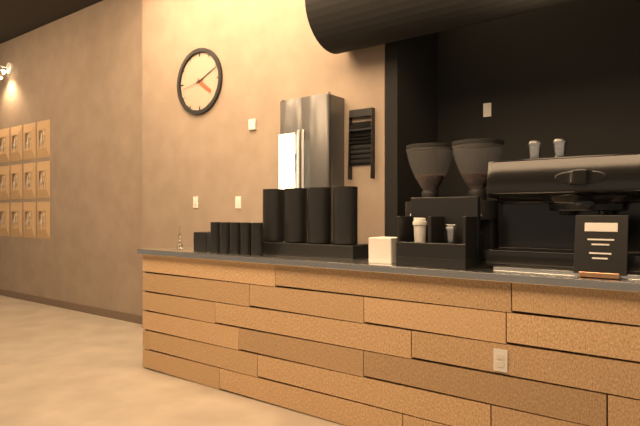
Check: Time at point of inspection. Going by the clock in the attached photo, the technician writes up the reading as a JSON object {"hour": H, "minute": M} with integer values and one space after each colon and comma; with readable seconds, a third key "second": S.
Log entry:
{"hour": 4, "minute": 11}
